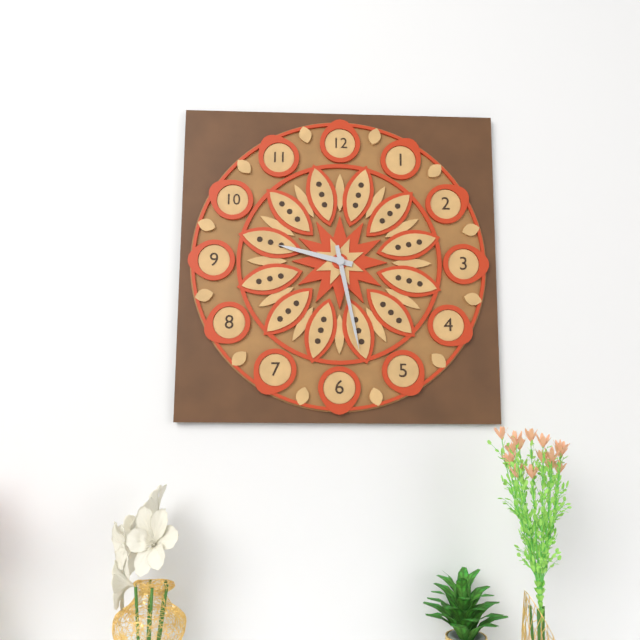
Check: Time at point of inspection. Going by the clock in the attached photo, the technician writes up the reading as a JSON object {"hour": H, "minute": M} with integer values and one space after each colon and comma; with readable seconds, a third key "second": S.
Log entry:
{"hour": 9, "minute": 28}
